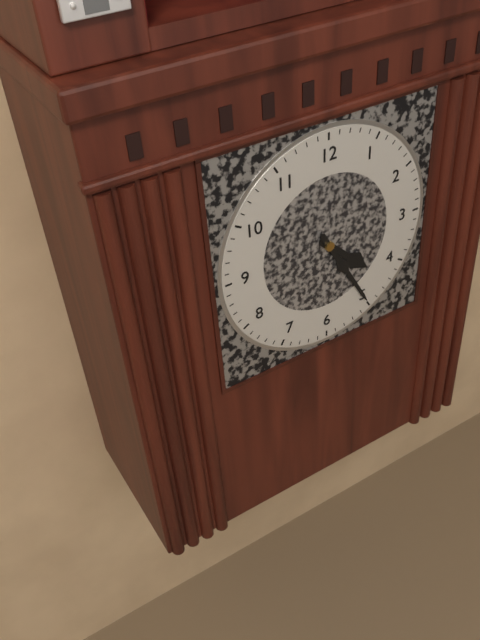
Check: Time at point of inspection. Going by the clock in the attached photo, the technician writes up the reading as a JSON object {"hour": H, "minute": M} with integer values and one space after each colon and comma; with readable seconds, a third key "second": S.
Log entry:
{"hour": 4, "minute": 25}
